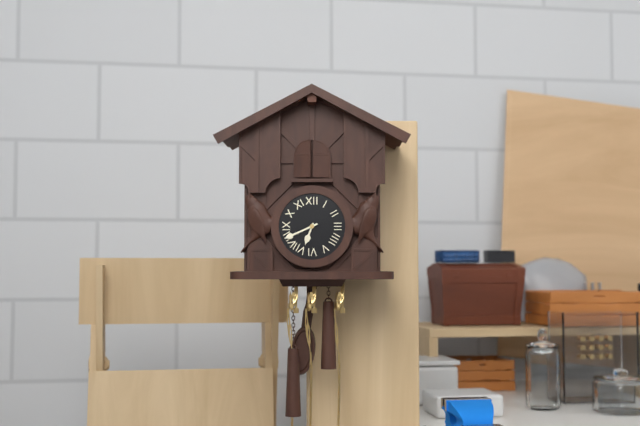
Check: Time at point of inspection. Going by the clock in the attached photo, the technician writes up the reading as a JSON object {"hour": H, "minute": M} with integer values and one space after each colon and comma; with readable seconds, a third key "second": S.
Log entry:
{"hour": 6, "minute": 41}
